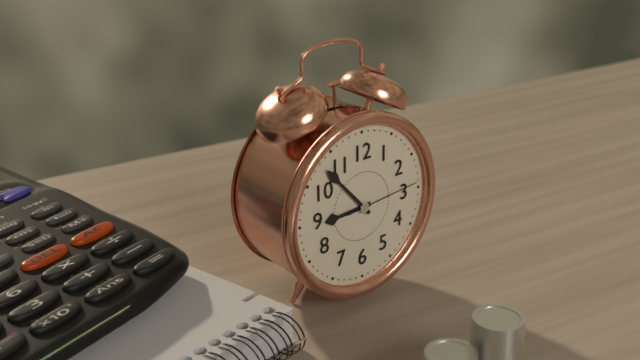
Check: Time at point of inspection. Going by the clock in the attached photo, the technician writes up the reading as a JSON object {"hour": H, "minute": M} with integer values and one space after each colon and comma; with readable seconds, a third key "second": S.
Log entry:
{"hour": 8, "minute": 53, "second": 14}
